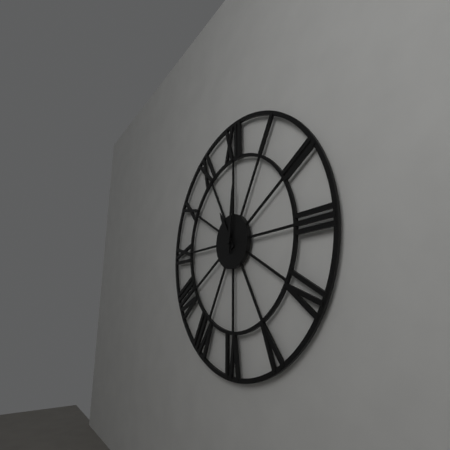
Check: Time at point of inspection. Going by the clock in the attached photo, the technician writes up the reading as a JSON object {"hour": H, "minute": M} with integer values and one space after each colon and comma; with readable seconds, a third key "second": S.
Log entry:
{"hour": 11, "minute": 1}
